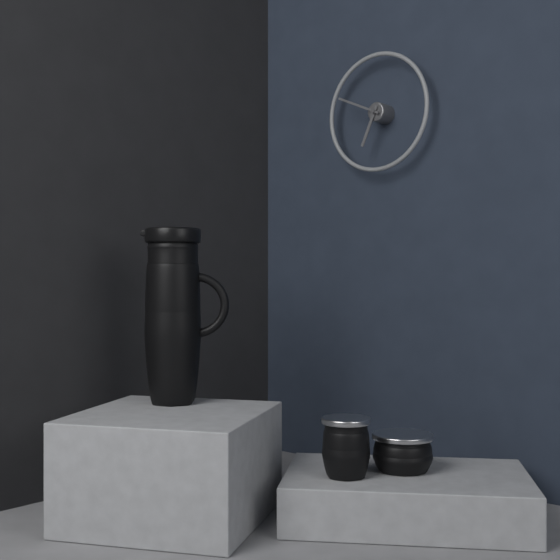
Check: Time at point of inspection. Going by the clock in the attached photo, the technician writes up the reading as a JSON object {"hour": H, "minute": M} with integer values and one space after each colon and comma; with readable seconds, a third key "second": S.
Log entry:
{"hour": 6, "minute": 49}
